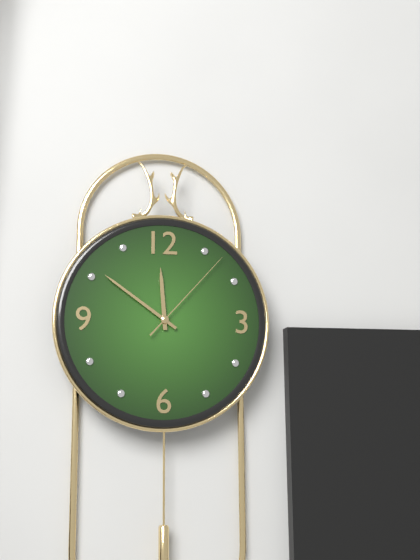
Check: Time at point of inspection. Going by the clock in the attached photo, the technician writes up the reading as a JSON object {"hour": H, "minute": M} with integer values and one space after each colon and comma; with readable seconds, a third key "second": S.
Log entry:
{"hour": 11, "minute": 51, "second": 7}
